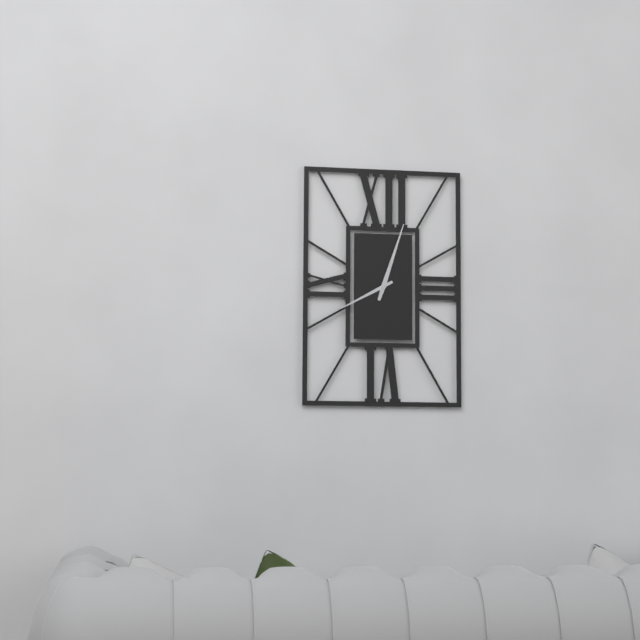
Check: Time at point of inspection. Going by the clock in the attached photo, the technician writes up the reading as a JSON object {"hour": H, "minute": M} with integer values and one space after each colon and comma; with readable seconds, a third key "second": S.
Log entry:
{"hour": 8, "minute": 3}
